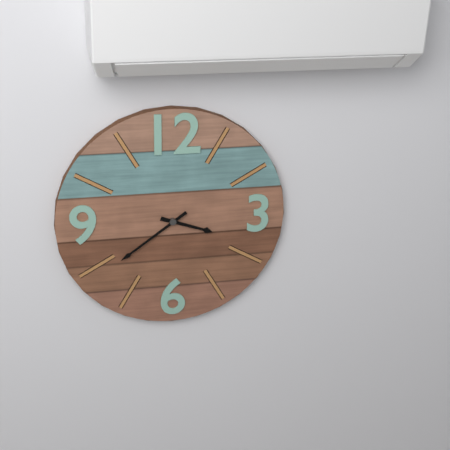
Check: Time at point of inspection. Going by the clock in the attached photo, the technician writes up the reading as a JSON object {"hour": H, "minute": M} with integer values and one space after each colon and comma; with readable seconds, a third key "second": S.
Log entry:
{"hour": 3, "minute": 39}
